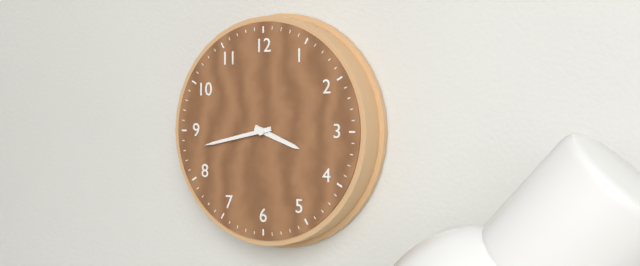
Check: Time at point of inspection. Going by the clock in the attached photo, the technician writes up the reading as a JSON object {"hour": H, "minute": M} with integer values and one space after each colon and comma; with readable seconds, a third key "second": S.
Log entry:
{"hour": 3, "minute": 43}
